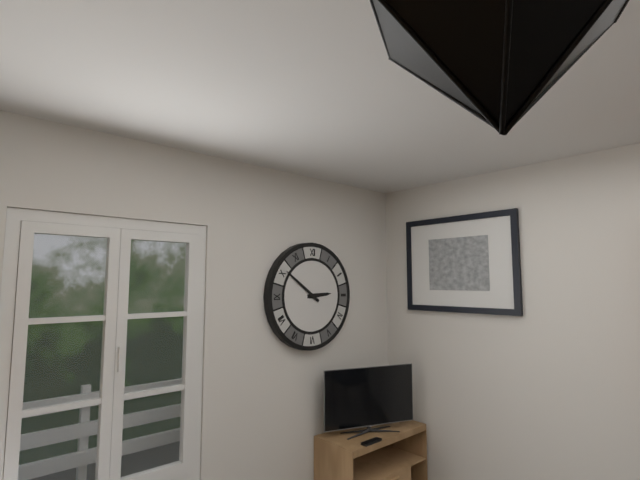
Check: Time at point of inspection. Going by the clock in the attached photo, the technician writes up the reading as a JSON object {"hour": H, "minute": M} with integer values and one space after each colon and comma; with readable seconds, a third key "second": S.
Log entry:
{"hour": 2, "minute": 51}
